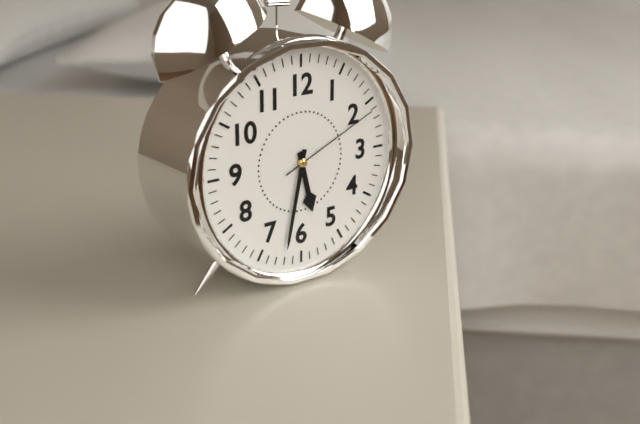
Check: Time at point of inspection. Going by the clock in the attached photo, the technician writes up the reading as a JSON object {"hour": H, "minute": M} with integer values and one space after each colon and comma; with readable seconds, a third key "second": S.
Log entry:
{"hour": 5, "minute": 32, "second": 11}
